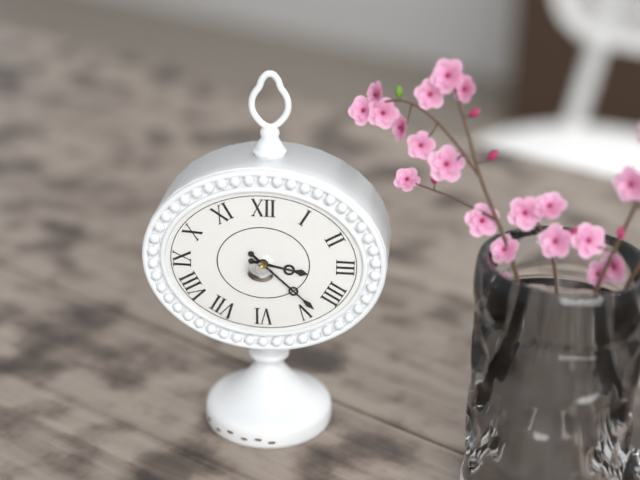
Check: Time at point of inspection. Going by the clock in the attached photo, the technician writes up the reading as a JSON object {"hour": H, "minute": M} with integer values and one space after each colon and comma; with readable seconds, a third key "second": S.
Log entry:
{"hour": 3, "minute": 22}
